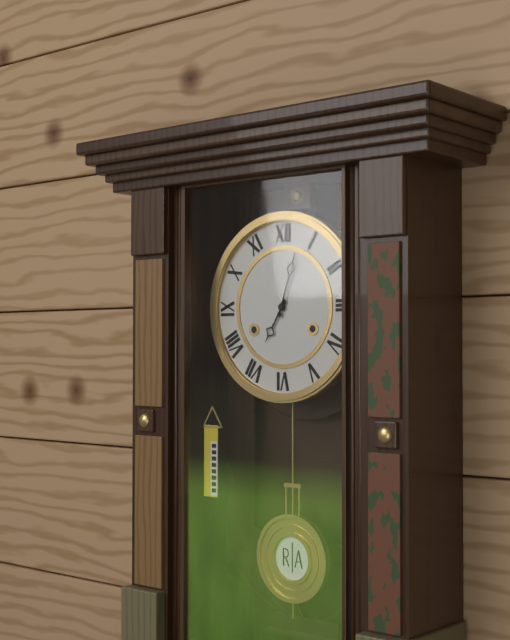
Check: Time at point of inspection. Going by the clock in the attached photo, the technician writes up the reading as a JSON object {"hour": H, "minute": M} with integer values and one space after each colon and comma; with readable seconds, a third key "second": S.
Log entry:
{"hour": 7, "minute": 3}
